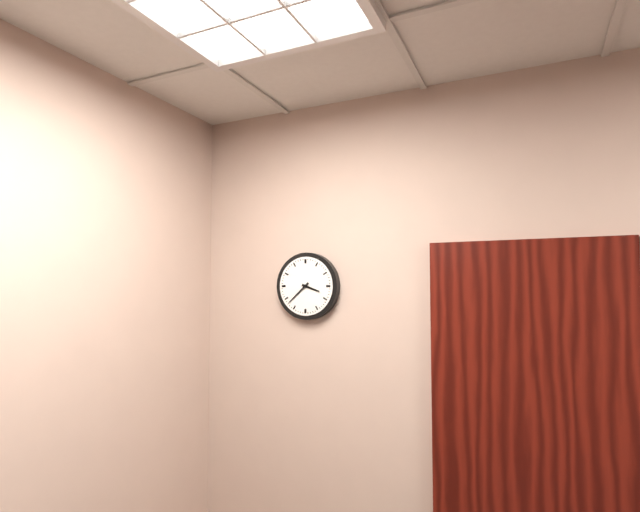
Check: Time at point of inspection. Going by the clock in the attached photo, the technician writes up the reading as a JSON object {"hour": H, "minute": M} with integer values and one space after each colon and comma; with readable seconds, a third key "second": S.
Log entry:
{"hour": 3, "minute": 38}
